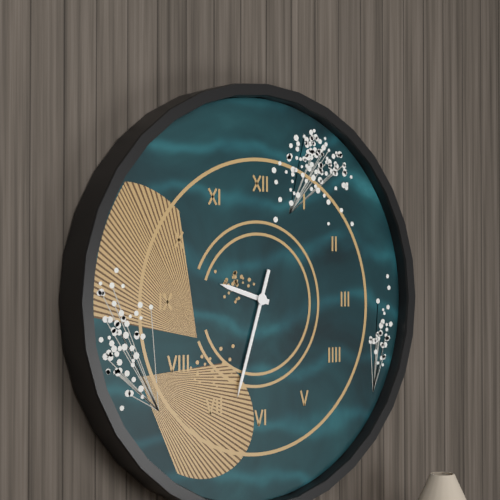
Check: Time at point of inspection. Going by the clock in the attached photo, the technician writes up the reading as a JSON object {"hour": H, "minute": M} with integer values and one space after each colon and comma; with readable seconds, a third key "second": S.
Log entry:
{"hour": 9, "minute": 33}
